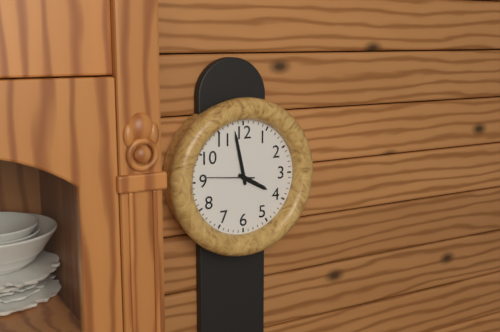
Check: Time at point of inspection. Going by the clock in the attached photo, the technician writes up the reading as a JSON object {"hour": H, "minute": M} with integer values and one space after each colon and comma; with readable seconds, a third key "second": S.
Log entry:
{"hour": 3, "minute": 58, "second": 46}
